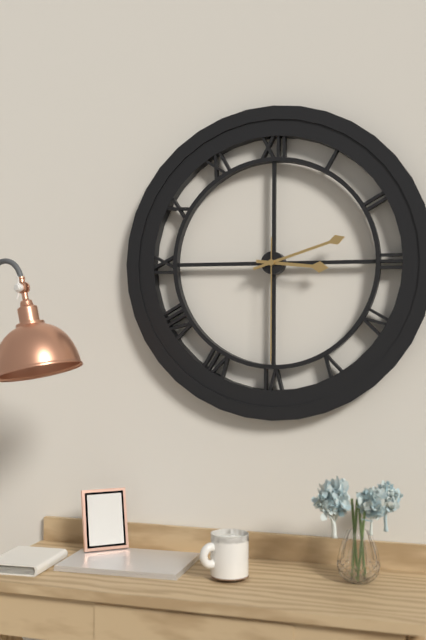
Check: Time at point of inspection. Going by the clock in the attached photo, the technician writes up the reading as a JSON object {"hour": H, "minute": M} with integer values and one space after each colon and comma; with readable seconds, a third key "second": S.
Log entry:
{"hour": 3, "minute": 12, "second": 30}
